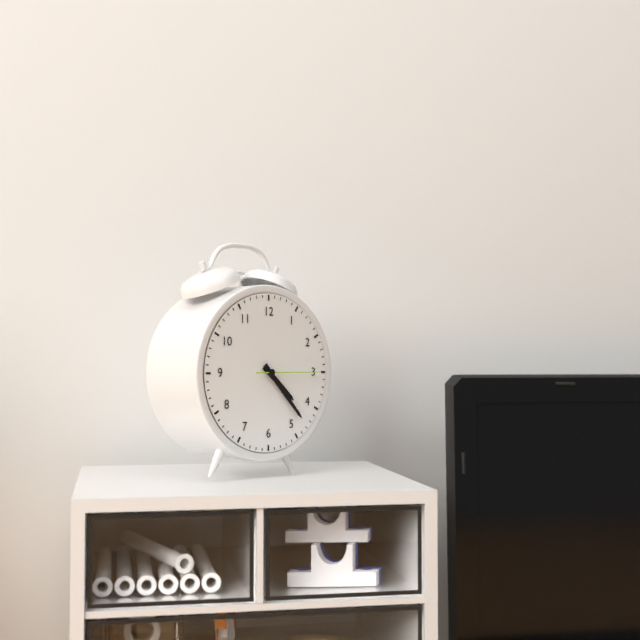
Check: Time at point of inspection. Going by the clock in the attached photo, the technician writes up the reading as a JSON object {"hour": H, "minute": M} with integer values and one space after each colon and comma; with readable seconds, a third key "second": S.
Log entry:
{"hour": 4, "minute": 23, "second": 15}
